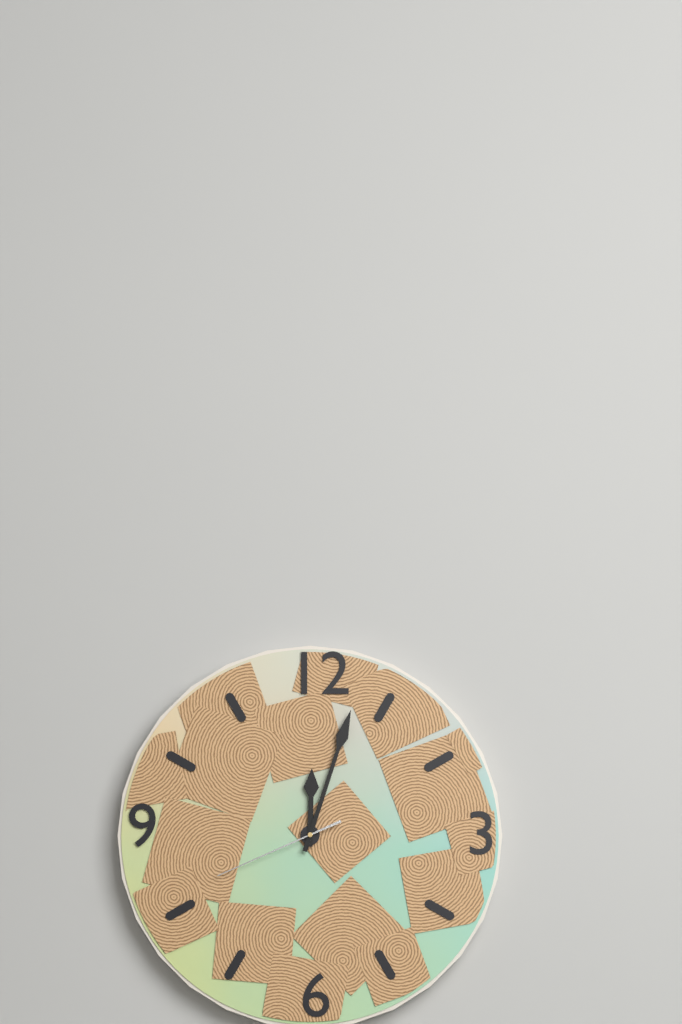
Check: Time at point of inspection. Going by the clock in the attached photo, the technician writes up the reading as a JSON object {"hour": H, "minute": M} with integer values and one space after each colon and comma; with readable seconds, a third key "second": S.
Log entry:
{"hour": 12, "minute": 3, "second": 41}
